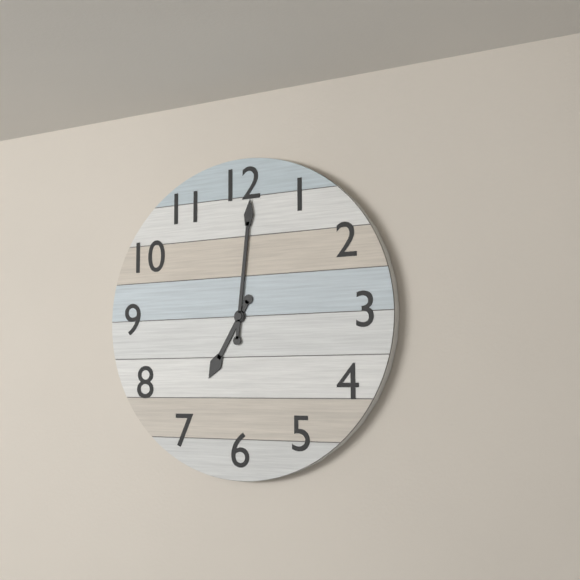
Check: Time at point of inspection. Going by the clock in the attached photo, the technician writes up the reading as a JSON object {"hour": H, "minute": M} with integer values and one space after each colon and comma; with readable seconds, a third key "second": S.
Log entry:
{"hour": 7, "minute": 1}
